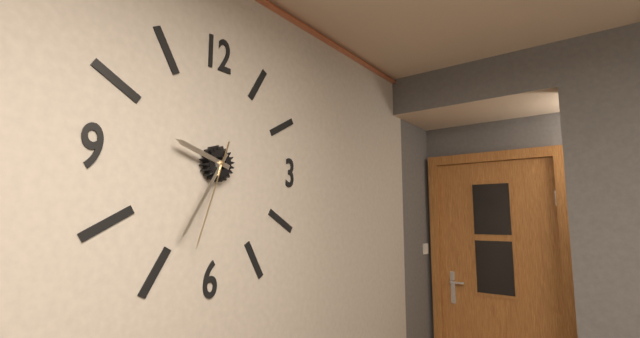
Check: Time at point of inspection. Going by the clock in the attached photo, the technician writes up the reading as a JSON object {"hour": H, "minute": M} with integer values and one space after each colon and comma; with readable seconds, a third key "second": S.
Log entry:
{"hour": 9, "minute": 35, "second": 33}
